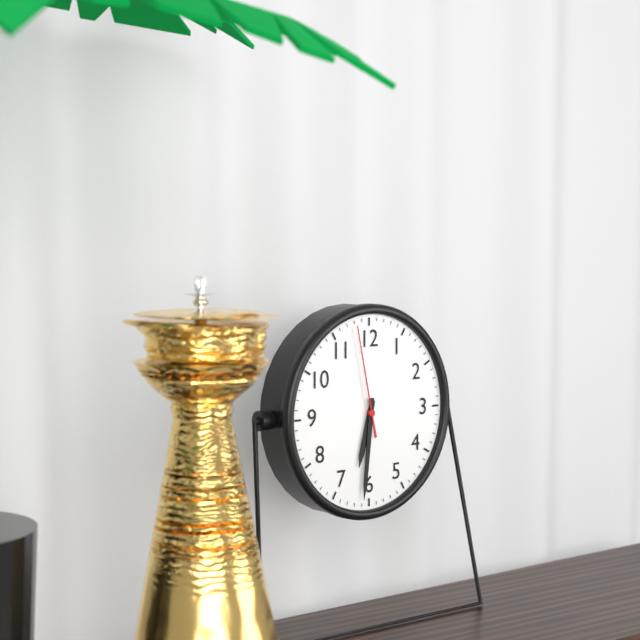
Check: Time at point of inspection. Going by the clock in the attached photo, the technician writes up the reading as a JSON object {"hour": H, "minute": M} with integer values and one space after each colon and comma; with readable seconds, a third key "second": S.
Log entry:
{"hour": 6, "minute": 31, "second": 58}
